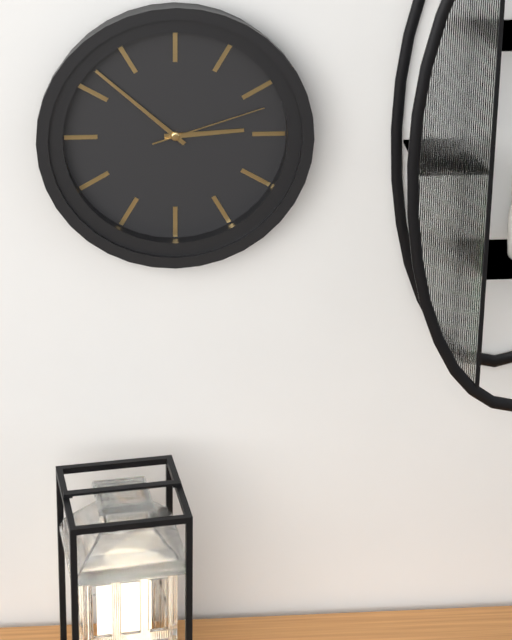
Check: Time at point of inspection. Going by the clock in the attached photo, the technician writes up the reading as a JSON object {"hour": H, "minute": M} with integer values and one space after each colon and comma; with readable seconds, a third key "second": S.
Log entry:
{"hour": 2, "minute": 52, "second": 12}
